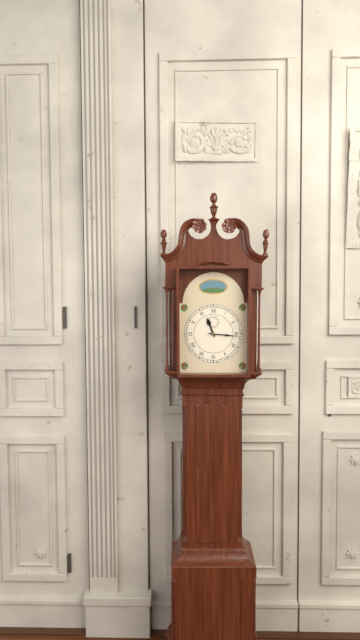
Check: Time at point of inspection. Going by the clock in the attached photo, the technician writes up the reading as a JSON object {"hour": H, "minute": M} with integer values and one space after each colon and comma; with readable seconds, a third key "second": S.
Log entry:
{"hour": 11, "minute": 16}
